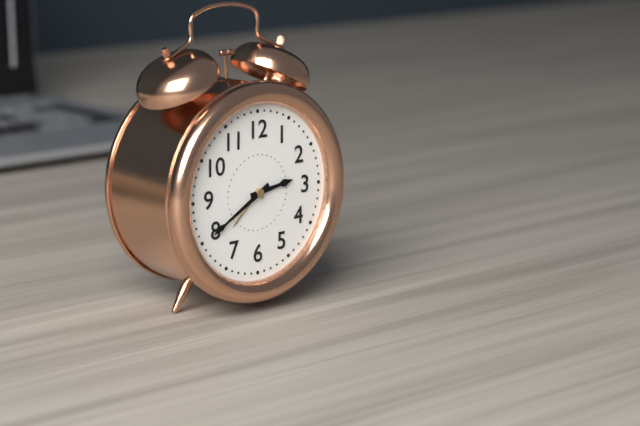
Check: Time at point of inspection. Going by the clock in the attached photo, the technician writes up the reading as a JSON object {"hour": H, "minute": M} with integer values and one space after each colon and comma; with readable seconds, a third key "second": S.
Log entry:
{"hour": 2, "minute": 40}
